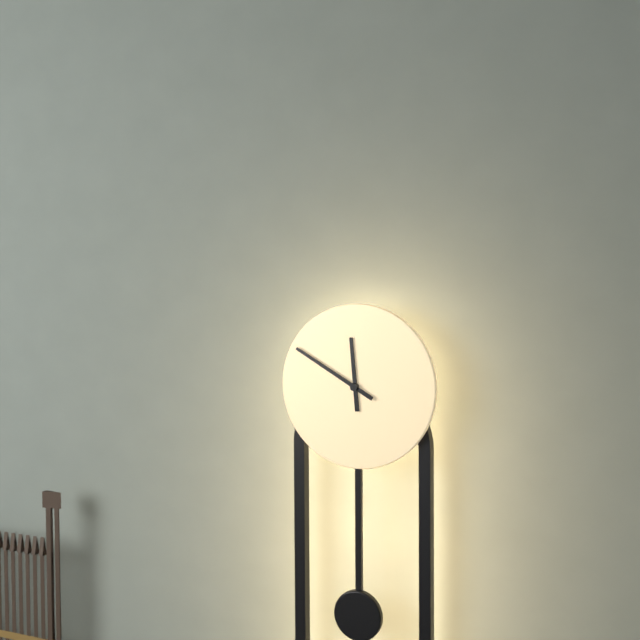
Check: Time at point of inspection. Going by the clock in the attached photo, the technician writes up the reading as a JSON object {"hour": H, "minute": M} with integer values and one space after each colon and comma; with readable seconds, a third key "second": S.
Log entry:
{"hour": 11, "minute": 50}
